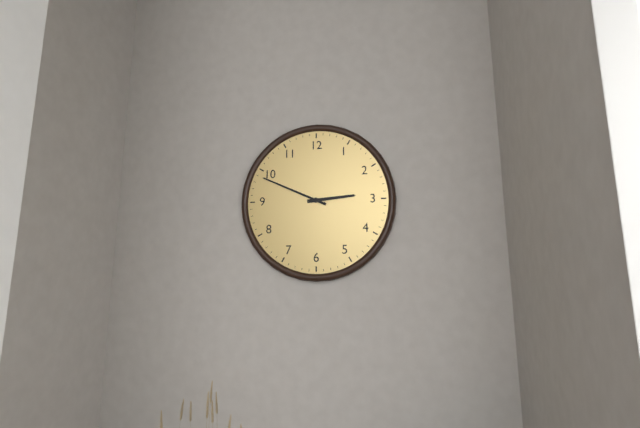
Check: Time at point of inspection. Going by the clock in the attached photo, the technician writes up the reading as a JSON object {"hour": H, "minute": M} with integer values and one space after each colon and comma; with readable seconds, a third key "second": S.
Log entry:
{"hour": 2, "minute": 49}
